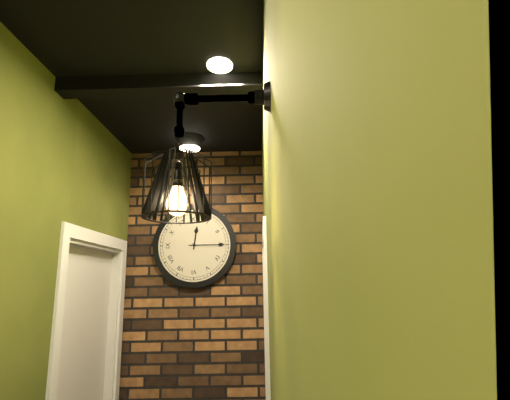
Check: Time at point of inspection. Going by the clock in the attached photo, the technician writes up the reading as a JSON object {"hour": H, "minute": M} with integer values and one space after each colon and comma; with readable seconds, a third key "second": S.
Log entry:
{"hour": 12, "minute": 15}
